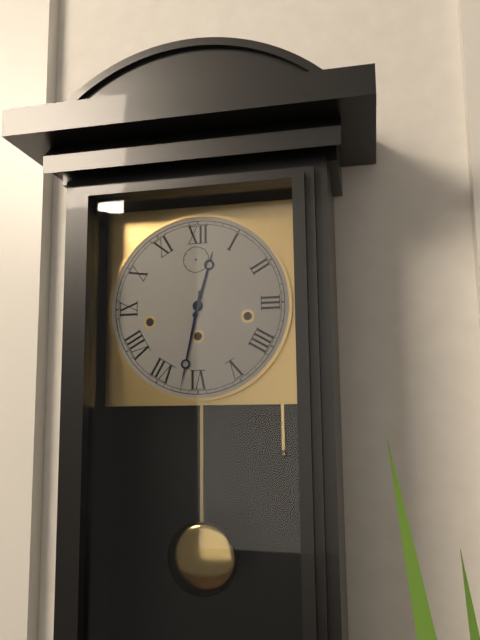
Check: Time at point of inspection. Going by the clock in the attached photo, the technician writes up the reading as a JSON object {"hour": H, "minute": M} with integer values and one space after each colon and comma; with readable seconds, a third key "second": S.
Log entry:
{"hour": 12, "minute": 32}
